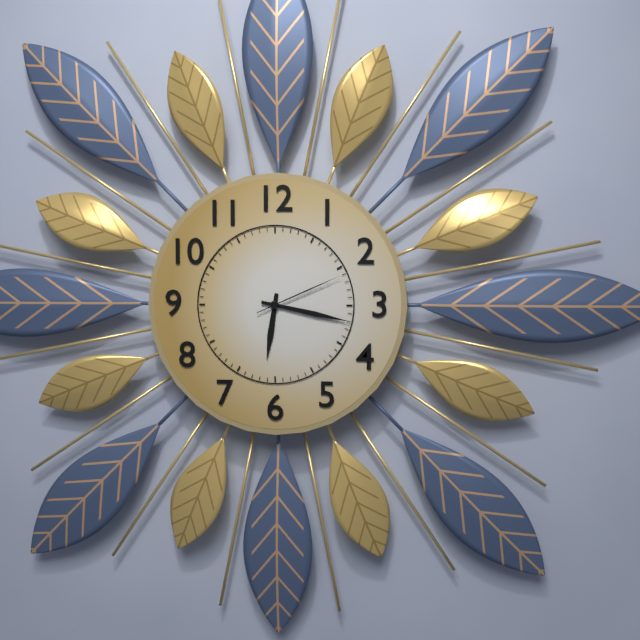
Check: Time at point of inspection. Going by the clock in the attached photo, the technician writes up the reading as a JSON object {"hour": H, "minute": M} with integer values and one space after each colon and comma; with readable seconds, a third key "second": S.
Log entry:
{"hour": 6, "minute": 17, "second": 11}
